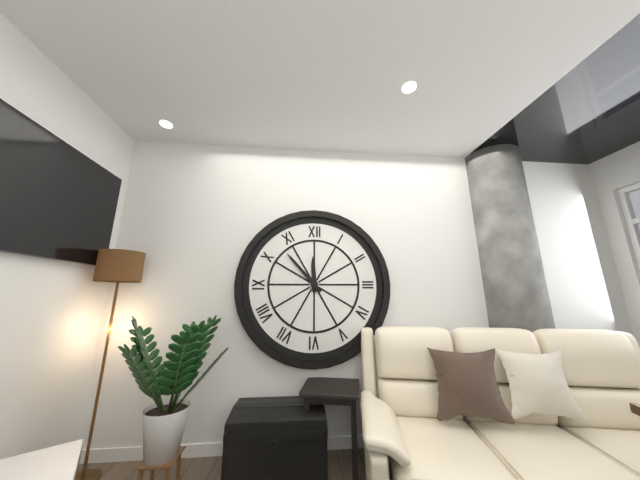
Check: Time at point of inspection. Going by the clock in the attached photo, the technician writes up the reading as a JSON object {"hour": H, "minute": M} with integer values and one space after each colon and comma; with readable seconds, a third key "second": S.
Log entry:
{"hour": 11, "minute": 53}
